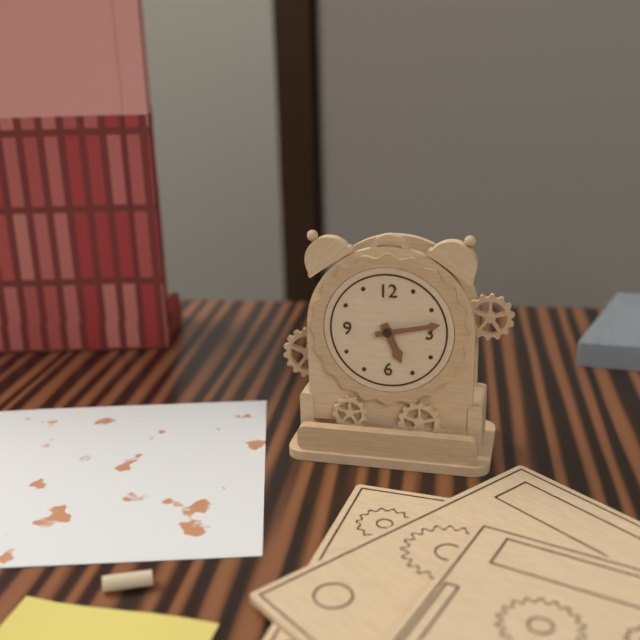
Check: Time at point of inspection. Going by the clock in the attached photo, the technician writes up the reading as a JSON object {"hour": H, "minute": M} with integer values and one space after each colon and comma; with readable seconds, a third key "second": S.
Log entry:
{"hour": 5, "minute": 13}
